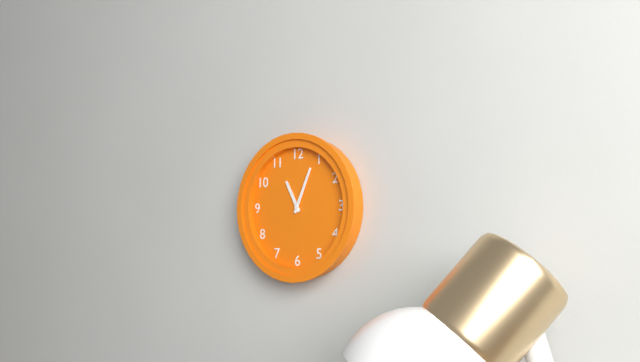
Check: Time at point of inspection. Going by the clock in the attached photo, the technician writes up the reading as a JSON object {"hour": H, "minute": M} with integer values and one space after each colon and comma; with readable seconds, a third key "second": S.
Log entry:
{"hour": 11, "minute": 4}
